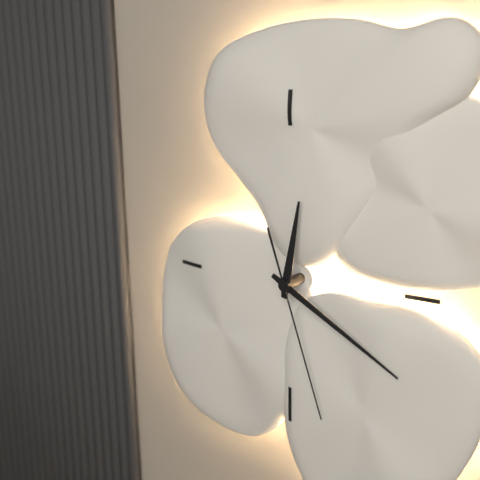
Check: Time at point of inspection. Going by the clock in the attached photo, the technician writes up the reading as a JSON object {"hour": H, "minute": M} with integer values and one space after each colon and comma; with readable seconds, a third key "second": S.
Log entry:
{"hour": 12, "minute": 20, "second": 27}
